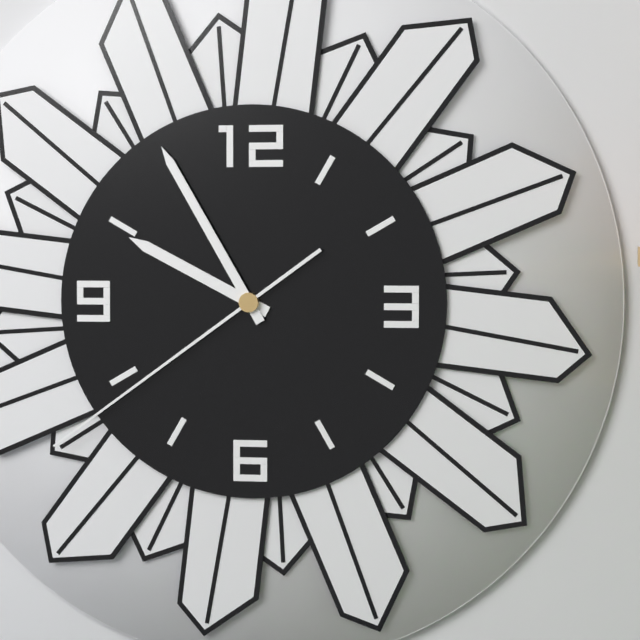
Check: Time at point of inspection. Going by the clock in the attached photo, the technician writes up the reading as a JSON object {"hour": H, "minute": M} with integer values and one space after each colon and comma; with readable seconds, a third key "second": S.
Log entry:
{"hour": 9, "minute": 55, "second": 39}
